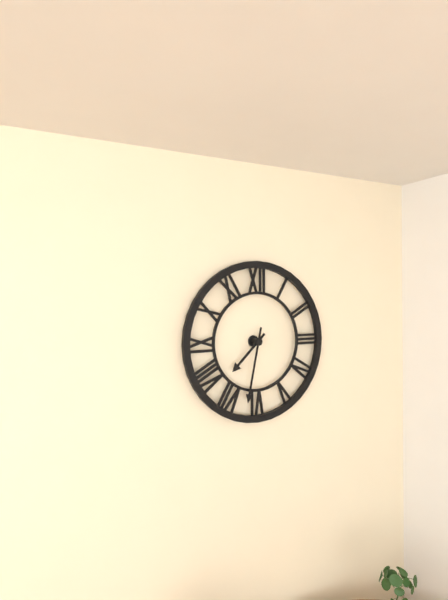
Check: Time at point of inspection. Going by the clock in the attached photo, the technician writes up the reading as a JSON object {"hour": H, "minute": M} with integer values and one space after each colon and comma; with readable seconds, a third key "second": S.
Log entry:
{"hour": 7, "minute": 32}
